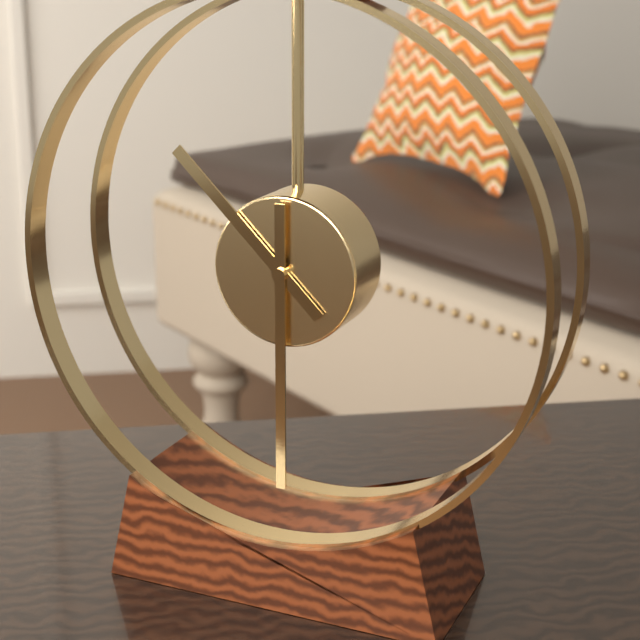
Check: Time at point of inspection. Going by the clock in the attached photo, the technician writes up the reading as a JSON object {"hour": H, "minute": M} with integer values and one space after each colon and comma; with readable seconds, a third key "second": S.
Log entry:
{"hour": 10, "minute": 30}
